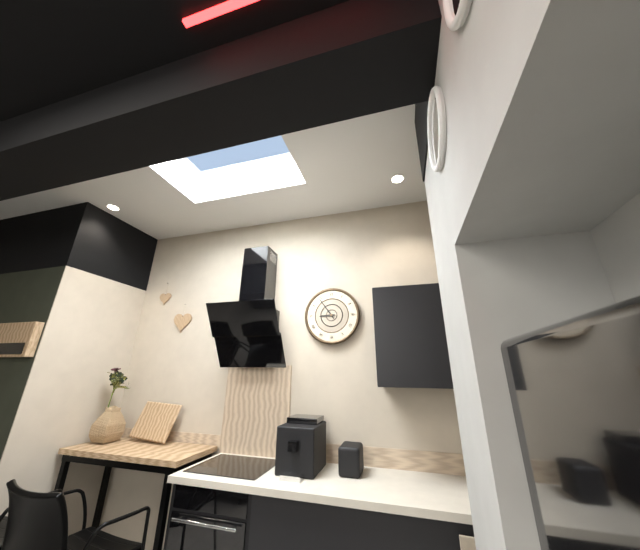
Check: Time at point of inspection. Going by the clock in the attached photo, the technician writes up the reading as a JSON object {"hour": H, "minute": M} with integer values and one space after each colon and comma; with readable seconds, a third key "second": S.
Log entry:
{"hour": 8, "minute": 54}
